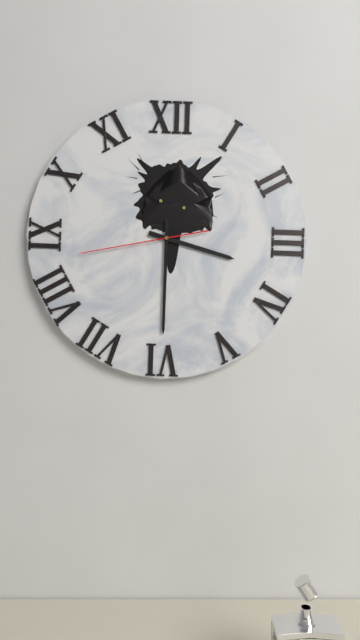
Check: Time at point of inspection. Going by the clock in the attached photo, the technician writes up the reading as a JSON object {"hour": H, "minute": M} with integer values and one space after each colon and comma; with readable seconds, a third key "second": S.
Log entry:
{"hour": 3, "minute": 30, "second": 43}
